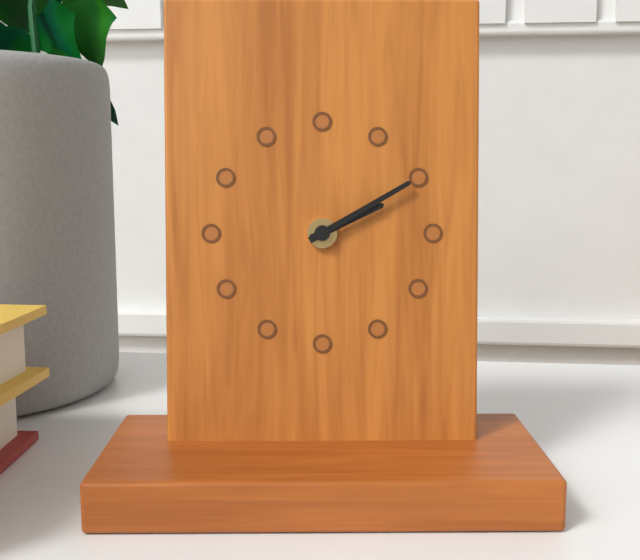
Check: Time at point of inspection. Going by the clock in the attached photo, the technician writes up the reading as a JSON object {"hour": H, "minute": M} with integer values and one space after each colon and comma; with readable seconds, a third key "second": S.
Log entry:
{"hour": 2, "minute": 10}
